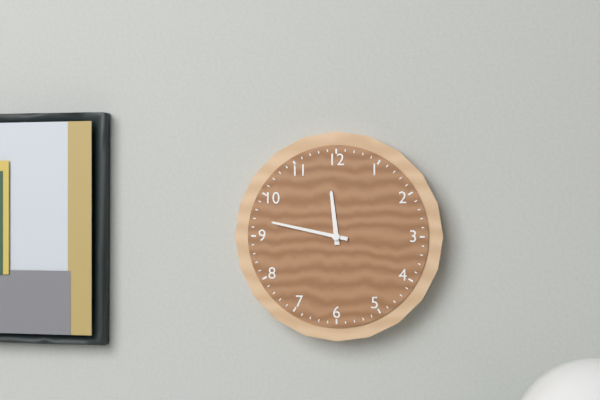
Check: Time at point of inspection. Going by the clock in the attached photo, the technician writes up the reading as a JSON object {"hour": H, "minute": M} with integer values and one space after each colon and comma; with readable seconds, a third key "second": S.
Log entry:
{"hour": 11, "minute": 47}
